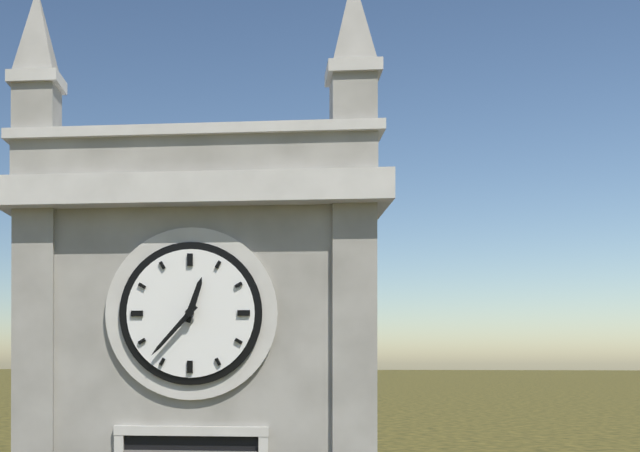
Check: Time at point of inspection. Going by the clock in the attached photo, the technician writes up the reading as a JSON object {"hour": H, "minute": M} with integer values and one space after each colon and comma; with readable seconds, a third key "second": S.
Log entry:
{"hour": 12, "minute": 37}
